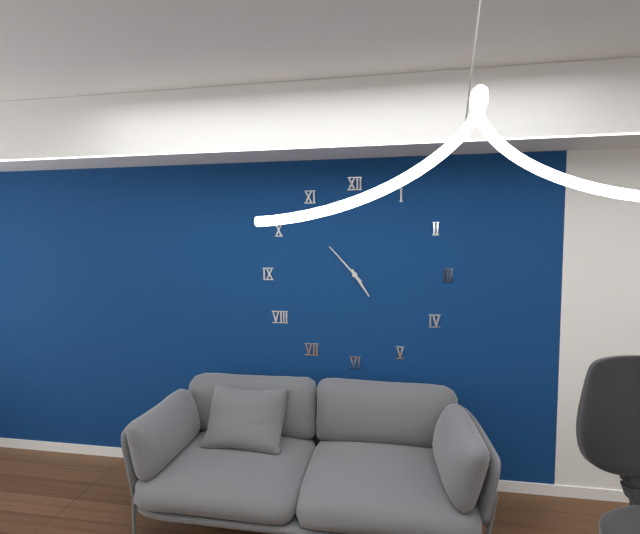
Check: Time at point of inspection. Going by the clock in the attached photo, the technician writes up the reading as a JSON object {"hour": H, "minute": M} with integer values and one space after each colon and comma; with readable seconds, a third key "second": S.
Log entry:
{"hour": 4, "minute": 53}
